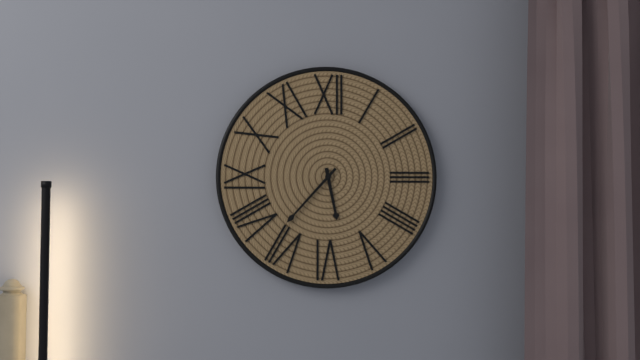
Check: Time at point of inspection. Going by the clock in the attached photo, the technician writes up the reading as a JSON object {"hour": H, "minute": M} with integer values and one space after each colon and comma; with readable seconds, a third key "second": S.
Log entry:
{"hour": 5, "minute": 37}
